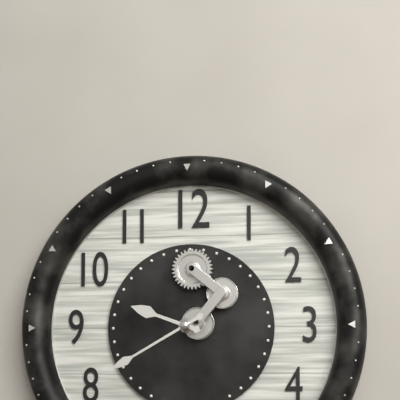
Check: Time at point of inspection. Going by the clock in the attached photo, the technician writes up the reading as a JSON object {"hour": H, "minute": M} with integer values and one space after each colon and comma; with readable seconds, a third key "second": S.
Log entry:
{"hour": 9, "minute": 40}
